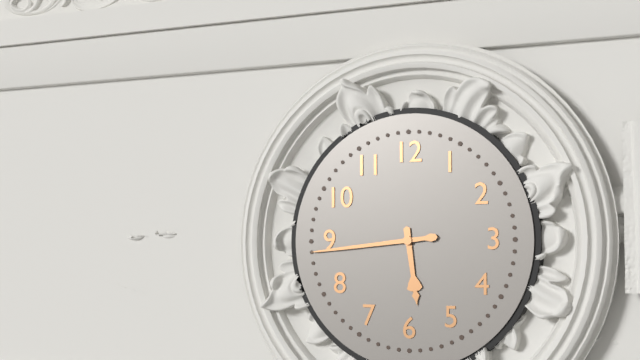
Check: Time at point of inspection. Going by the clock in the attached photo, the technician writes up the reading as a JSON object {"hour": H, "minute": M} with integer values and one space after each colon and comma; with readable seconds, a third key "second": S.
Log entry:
{"hour": 5, "minute": 44}
